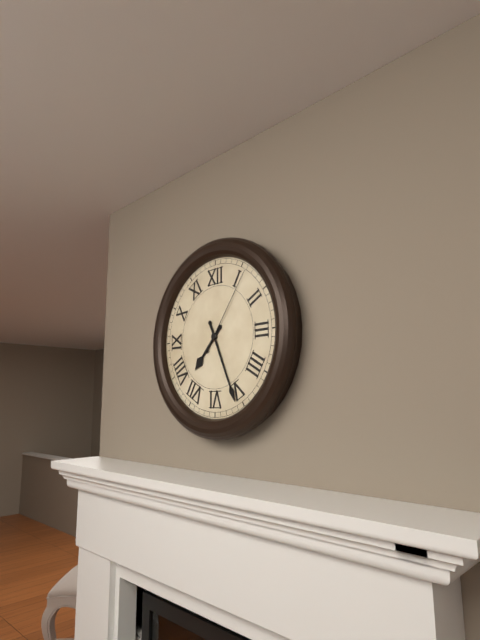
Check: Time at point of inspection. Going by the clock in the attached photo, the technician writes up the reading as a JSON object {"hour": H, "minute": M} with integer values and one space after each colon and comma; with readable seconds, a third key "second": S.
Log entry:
{"hour": 7, "minute": 26, "second": 6}
